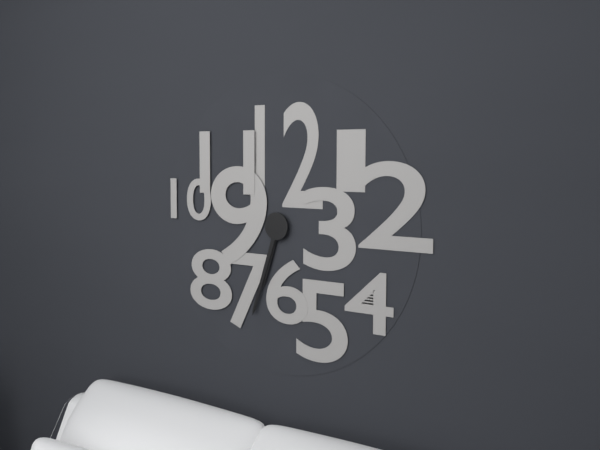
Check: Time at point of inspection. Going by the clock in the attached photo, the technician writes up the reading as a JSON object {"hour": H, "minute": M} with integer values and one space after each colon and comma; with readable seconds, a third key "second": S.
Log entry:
{"hour": 6, "minute": 33}
